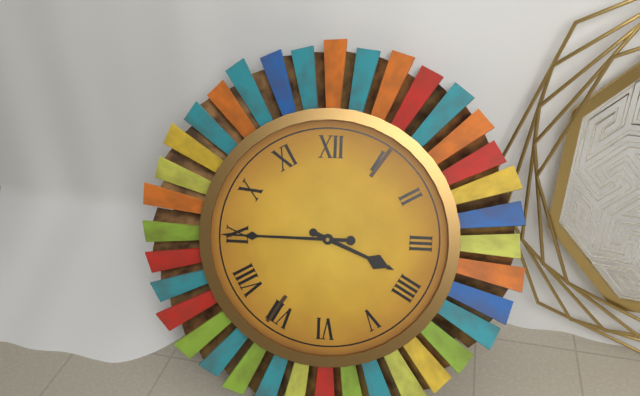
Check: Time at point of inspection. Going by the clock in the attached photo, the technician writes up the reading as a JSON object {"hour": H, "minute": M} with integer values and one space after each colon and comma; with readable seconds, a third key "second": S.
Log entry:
{"hour": 3, "minute": 45}
